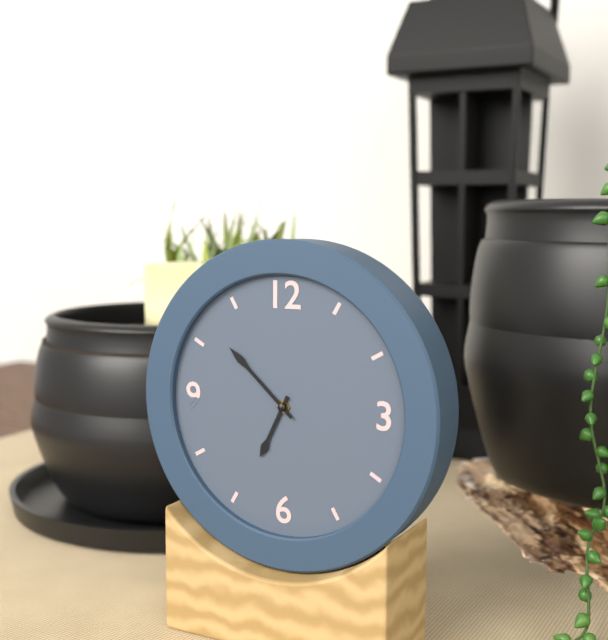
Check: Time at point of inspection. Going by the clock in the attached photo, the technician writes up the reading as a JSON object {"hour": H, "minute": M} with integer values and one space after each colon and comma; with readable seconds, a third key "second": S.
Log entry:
{"hour": 6, "minute": 52}
